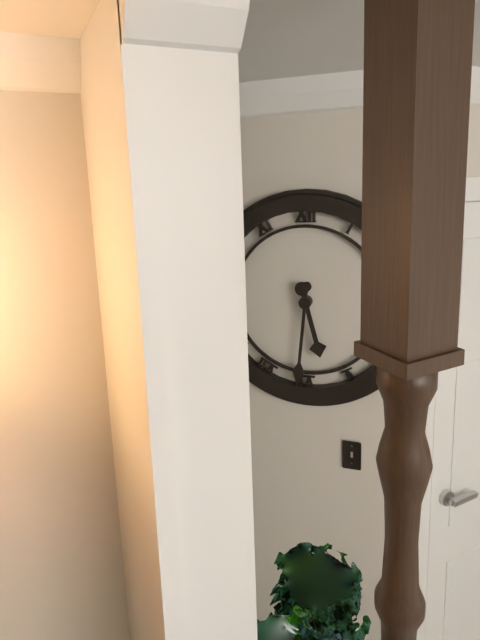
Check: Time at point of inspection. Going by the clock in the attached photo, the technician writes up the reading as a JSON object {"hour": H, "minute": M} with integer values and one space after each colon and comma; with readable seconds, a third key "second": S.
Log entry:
{"hour": 5, "minute": 31}
